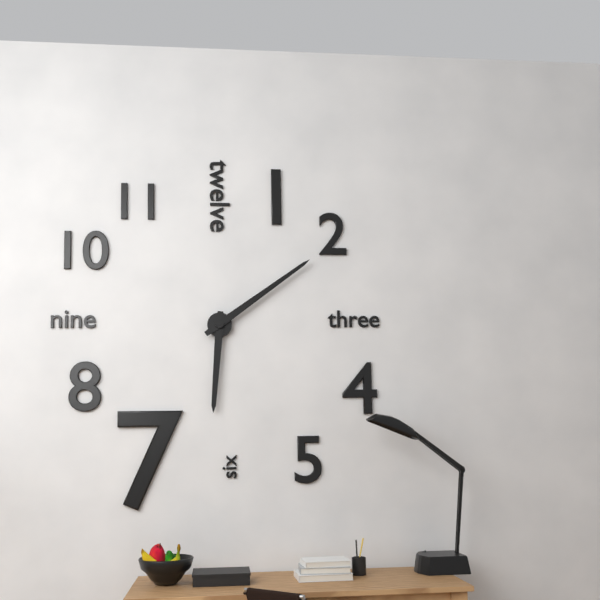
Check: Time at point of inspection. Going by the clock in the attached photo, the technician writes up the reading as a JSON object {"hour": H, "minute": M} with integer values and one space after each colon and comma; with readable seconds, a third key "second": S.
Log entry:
{"hour": 6, "minute": 9}
